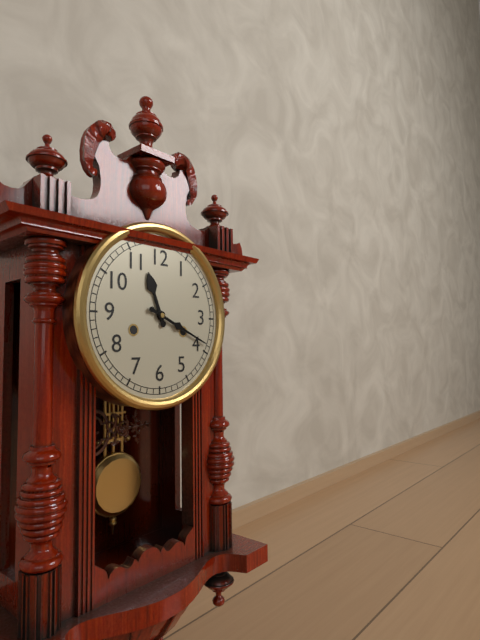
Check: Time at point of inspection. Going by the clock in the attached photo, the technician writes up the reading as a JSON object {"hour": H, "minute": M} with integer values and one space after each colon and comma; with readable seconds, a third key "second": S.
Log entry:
{"hour": 11, "minute": 19}
